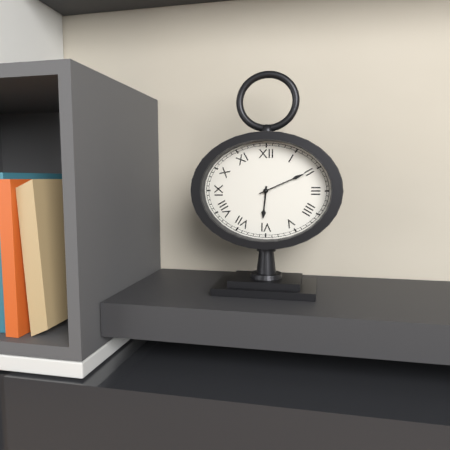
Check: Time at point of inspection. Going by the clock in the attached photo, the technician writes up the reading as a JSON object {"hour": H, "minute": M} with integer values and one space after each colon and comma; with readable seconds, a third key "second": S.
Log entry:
{"hour": 6, "minute": 11}
